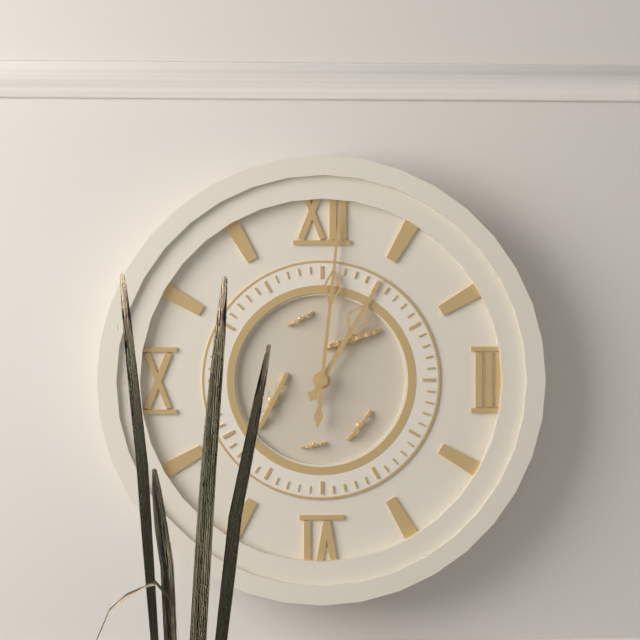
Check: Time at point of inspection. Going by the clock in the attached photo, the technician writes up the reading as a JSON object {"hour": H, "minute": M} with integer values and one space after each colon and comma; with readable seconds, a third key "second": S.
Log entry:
{"hour": 1, "minute": 1}
